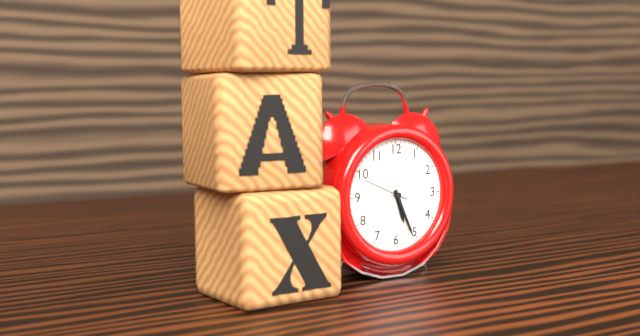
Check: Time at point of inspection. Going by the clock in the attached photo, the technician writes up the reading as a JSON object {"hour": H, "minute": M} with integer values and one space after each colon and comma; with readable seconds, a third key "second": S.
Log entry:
{"hour": 5, "minute": 26}
